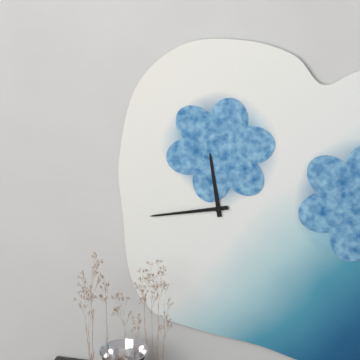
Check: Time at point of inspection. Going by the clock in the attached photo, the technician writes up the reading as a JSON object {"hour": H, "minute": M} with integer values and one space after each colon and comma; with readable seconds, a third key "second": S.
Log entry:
{"hour": 11, "minute": 43}
